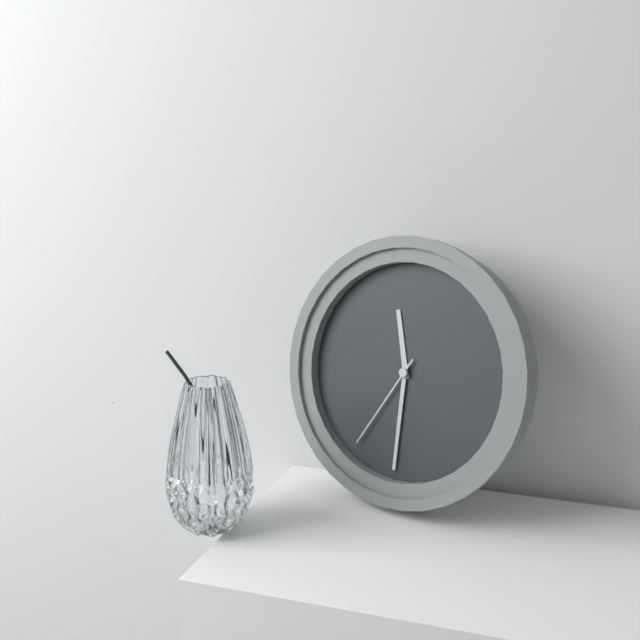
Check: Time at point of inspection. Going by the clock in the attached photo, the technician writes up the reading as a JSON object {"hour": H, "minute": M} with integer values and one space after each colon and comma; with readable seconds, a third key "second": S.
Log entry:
{"hour": 11, "minute": 30, "second": 35}
